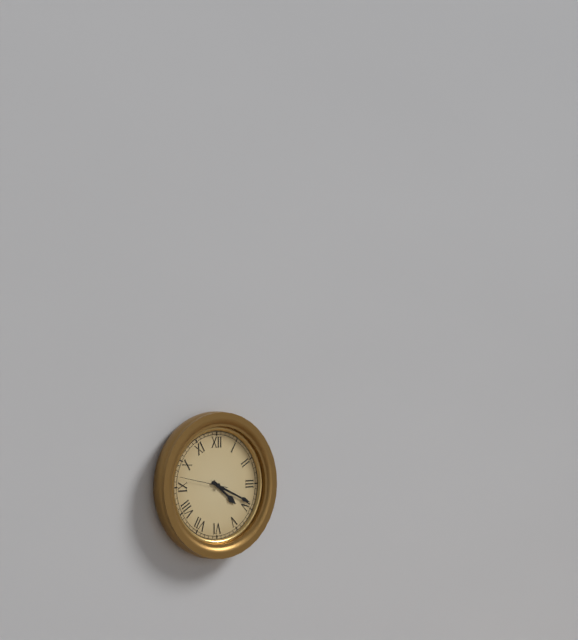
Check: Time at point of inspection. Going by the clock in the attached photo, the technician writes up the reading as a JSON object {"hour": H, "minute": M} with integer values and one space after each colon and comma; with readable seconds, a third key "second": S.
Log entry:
{"hour": 4, "minute": 19}
